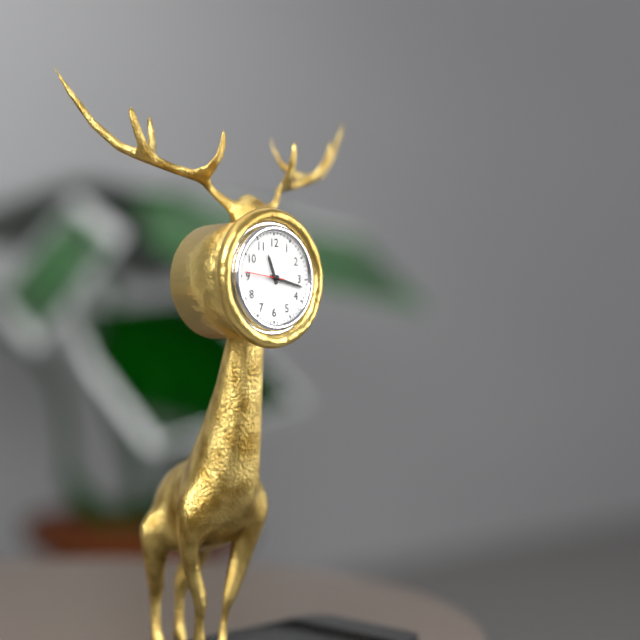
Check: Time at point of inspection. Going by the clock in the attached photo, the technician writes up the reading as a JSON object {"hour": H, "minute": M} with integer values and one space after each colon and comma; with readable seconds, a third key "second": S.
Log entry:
{"hour": 11, "minute": 17}
